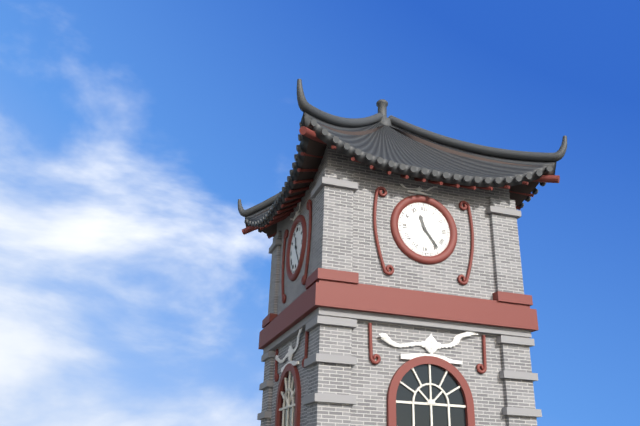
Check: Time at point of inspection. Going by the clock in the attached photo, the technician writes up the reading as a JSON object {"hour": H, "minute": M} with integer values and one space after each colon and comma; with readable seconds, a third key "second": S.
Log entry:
{"hour": 11, "minute": 24}
